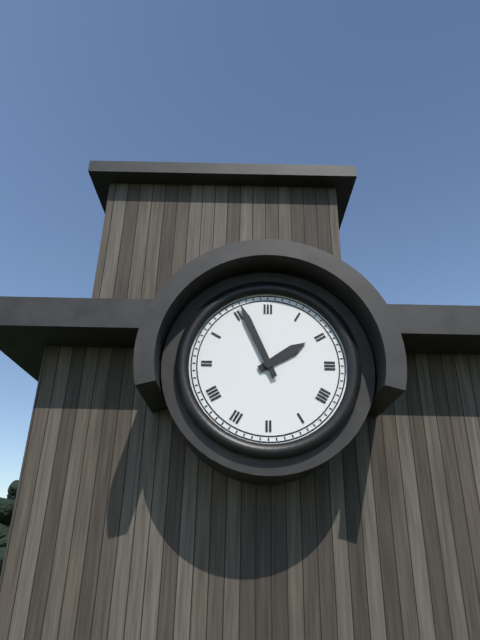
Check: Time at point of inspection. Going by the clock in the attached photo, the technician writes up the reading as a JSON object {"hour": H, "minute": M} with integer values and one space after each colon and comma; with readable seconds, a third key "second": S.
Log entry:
{"hour": 1, "minute": 56}
